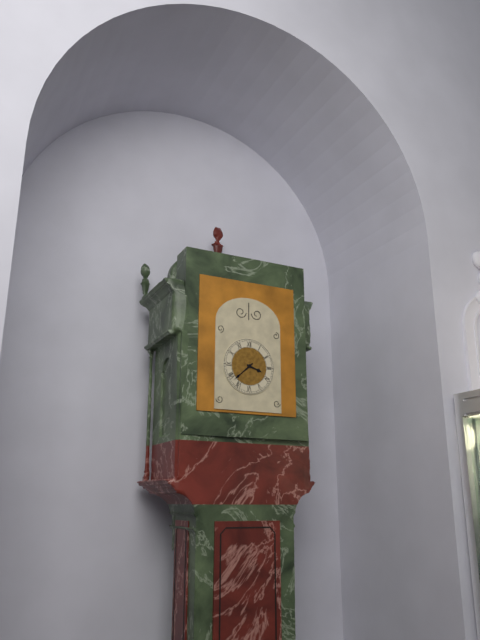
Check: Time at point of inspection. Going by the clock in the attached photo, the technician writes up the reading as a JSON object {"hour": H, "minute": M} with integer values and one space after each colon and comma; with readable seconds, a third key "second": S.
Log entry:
{"hour": 3, "minute": 38}
